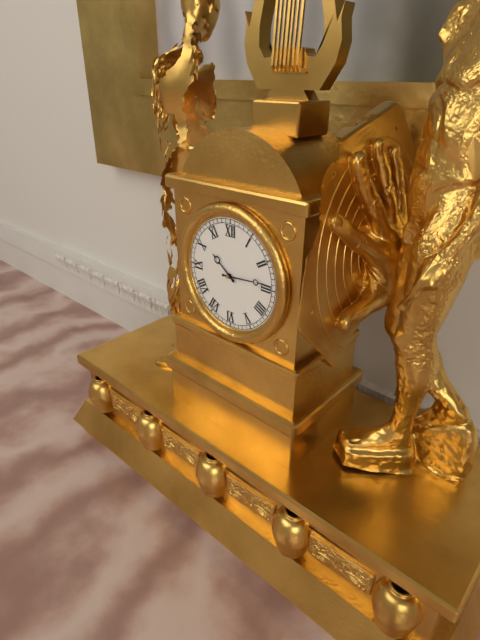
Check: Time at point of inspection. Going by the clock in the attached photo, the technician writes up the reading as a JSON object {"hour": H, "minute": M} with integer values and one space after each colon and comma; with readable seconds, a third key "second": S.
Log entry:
{"hour": 10, "minute": 14}
